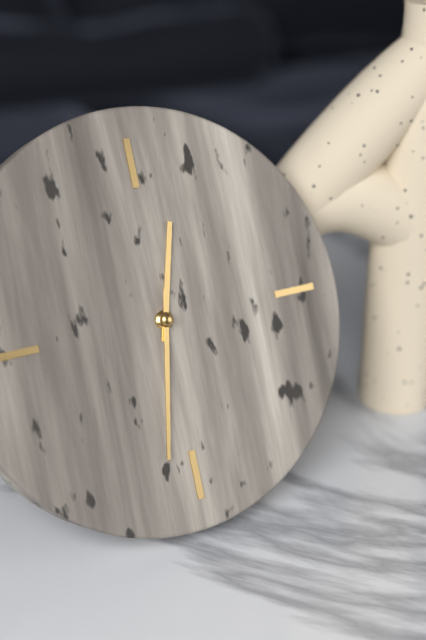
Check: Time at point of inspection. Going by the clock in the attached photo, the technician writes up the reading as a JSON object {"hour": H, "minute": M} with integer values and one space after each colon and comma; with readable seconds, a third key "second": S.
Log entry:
{"hour": 12, "minute": 32}
